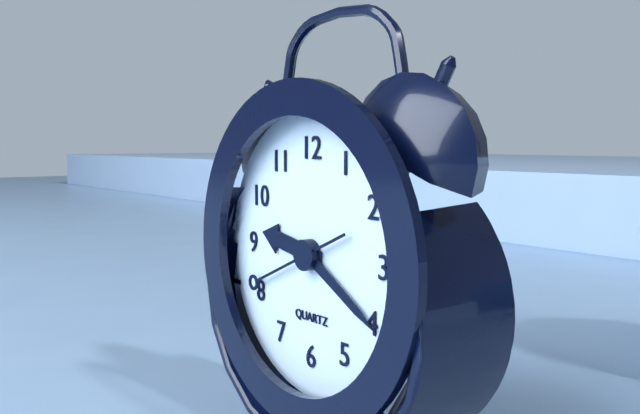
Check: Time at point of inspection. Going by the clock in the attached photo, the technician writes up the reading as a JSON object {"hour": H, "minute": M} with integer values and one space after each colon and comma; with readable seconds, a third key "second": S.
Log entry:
{"hour": 9, "minute": 20, "second": 41}
